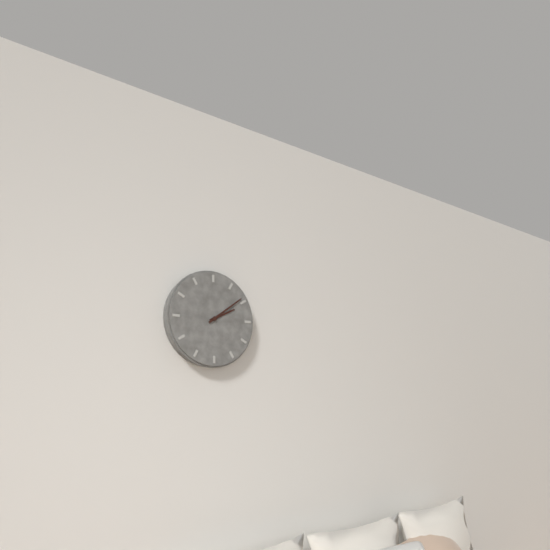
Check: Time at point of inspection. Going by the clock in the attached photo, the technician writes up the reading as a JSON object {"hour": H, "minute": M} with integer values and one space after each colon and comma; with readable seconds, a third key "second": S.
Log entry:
{"hour": 2, "minute": 9}
